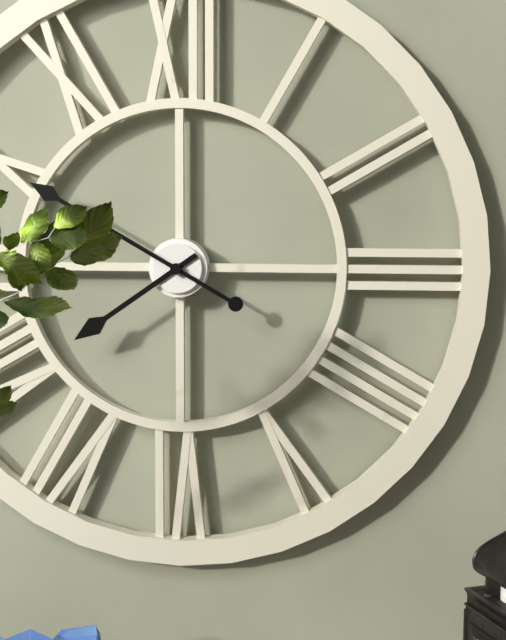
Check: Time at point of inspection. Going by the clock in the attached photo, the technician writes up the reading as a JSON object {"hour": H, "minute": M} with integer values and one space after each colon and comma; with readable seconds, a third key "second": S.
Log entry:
{"hour": 7, "minute": 50}
